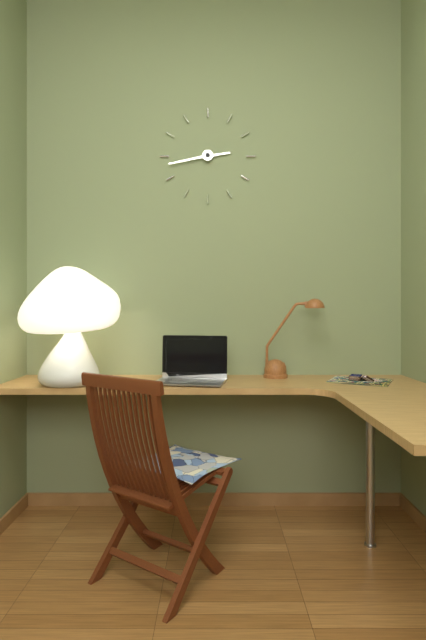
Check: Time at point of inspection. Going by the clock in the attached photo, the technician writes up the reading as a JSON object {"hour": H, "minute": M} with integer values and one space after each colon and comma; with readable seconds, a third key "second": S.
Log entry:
{"hour": 2, "minute": 43}
